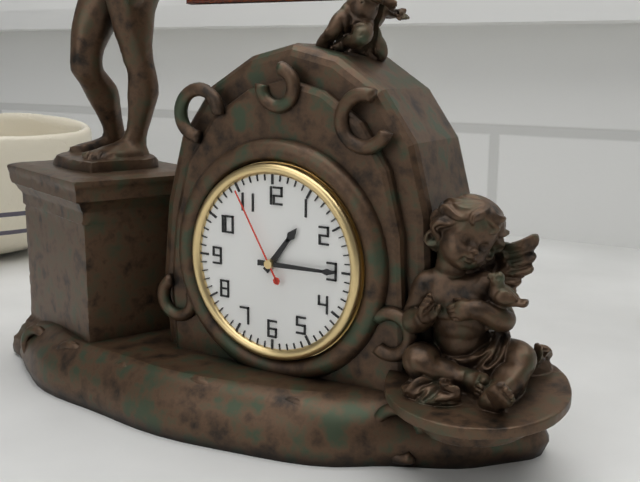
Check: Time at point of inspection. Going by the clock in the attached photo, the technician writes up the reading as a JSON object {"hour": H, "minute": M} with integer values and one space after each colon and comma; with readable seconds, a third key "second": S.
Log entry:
{"hour": 1, "minute": 15, "second": 55}
